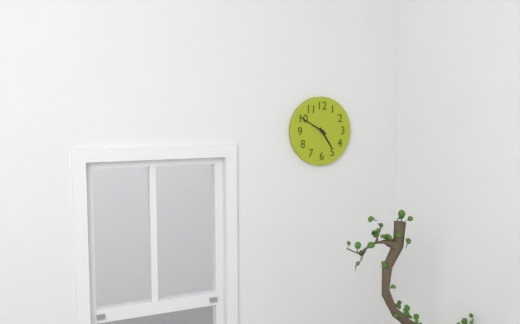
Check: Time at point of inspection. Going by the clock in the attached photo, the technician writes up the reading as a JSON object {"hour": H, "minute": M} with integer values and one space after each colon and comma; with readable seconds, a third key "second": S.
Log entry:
{"hour": 4, "minute": 50}
